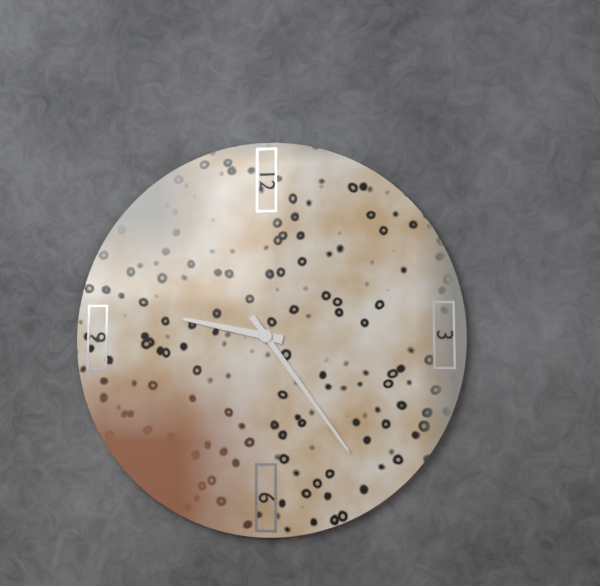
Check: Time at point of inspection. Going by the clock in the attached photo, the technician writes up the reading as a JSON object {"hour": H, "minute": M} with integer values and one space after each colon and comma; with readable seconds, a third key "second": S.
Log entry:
{"hour": 9, "minute": 24}
